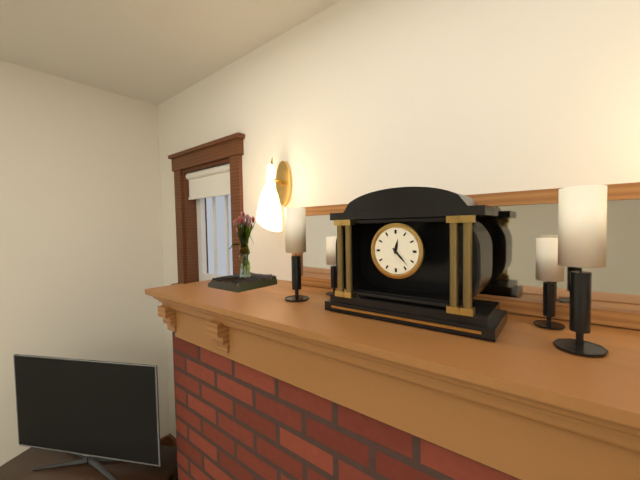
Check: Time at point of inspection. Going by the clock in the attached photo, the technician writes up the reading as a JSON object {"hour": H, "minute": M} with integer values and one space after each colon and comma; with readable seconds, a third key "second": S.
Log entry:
{"hour": 12, "minute": 23}
